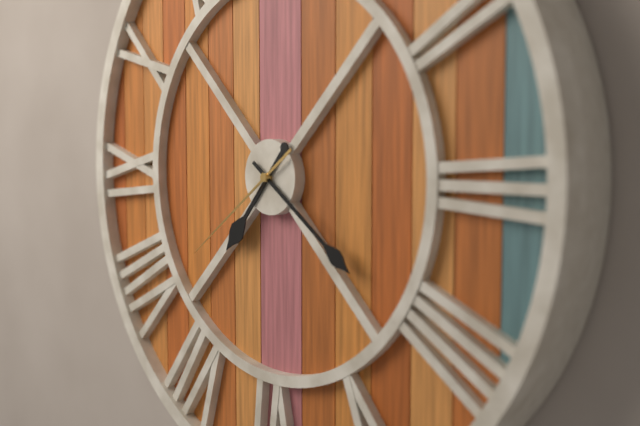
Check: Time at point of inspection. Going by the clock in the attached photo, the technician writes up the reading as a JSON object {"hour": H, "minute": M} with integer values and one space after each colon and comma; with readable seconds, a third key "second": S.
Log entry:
{"hour": 7, "minute": 21, "second": 39}
